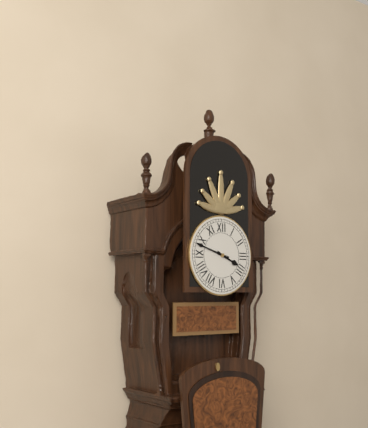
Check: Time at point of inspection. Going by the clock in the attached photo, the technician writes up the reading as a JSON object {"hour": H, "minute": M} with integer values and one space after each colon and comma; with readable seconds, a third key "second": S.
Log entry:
{"hour": 3, "minute": 48}
